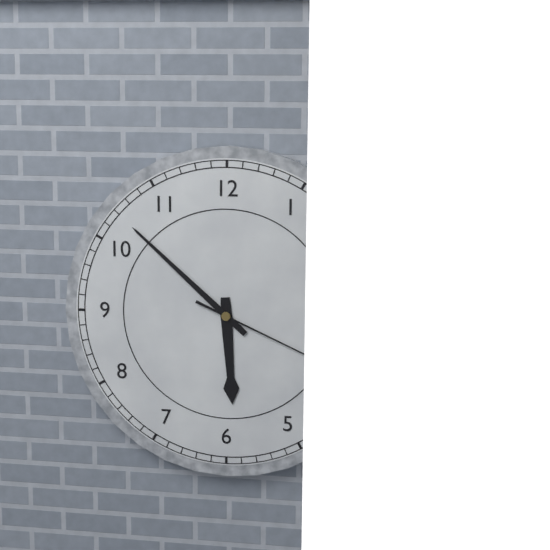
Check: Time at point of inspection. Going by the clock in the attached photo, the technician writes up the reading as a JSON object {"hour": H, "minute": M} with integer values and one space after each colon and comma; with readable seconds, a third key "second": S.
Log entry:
{"hour": 5, "minute": 52}
